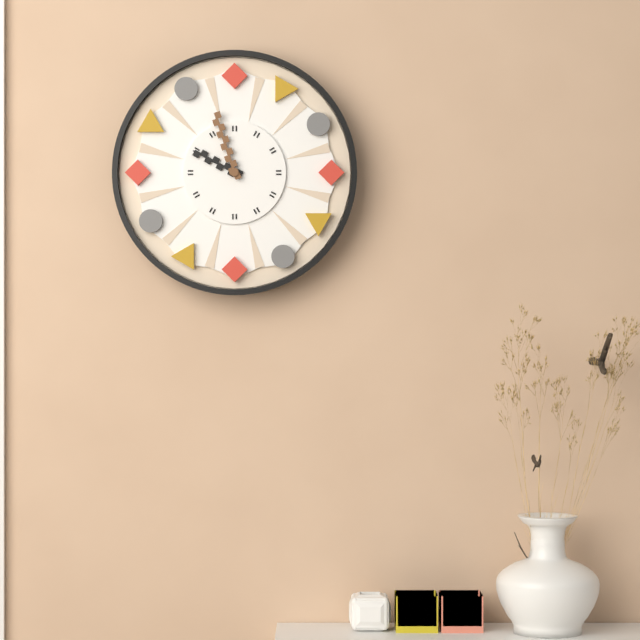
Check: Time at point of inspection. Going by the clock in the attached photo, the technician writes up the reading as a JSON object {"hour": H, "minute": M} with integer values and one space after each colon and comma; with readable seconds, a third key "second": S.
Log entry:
{"hour": 9, "minute": 57}
